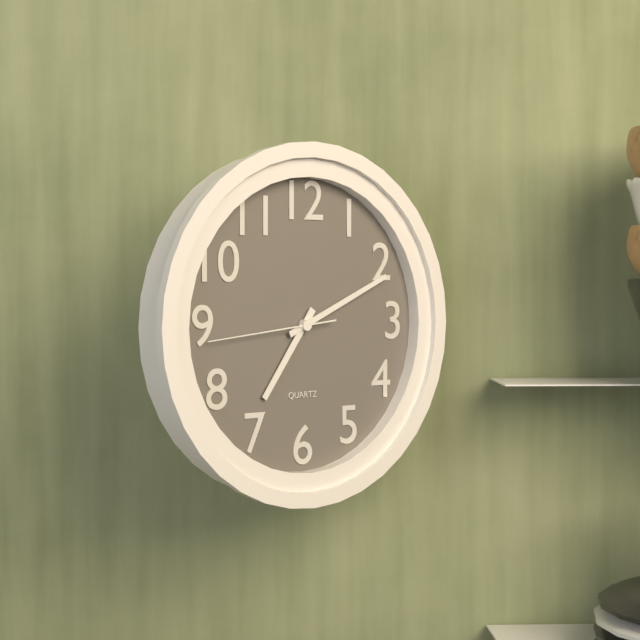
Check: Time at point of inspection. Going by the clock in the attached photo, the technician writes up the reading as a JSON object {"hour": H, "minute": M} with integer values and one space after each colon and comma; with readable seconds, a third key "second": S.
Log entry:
{"hour": 7, "minute": 11, "second": 44}
